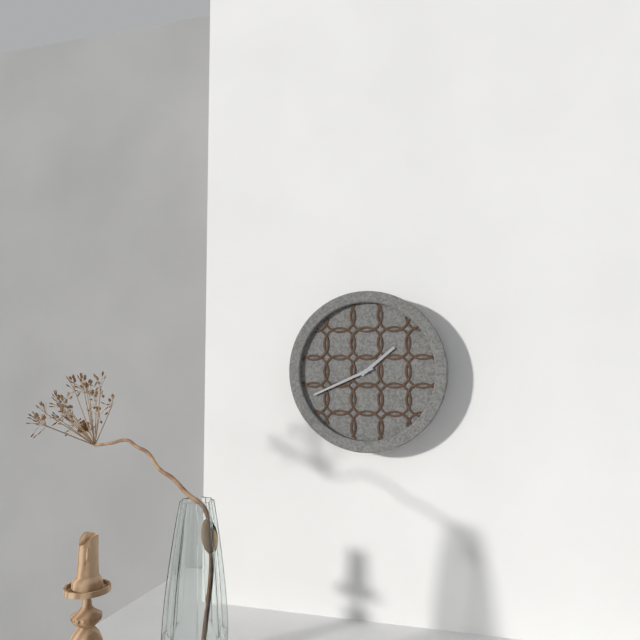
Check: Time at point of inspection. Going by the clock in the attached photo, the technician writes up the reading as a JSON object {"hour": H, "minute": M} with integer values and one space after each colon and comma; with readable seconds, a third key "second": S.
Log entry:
{"hour": 1, "minute": 41}
